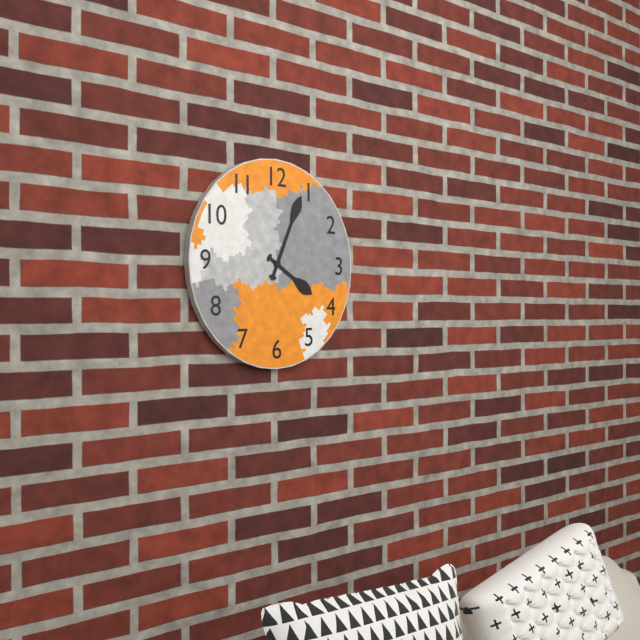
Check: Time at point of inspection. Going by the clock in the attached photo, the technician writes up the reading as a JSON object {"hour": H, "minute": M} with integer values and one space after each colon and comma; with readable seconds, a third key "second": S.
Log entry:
{"hour": 4, "minute": 4}
